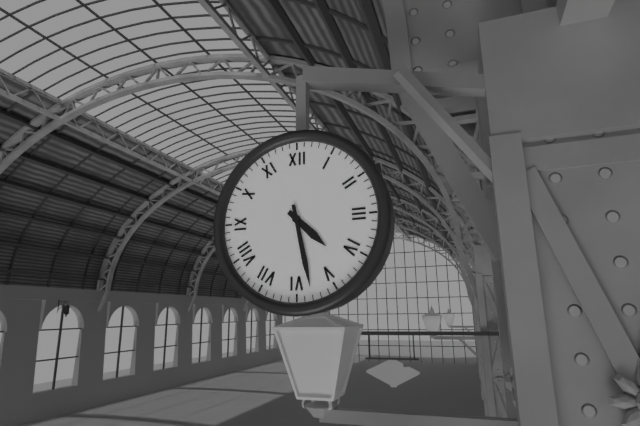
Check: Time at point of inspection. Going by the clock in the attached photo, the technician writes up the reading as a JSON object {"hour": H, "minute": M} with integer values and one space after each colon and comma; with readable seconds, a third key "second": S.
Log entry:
{"hour": 4, "minute": 28}
